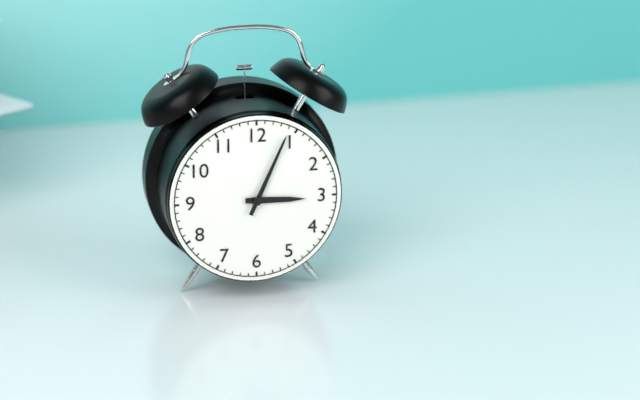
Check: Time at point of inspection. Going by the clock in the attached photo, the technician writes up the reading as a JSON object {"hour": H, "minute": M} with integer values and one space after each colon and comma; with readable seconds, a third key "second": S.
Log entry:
{"hour": 3, "minute": 4}
